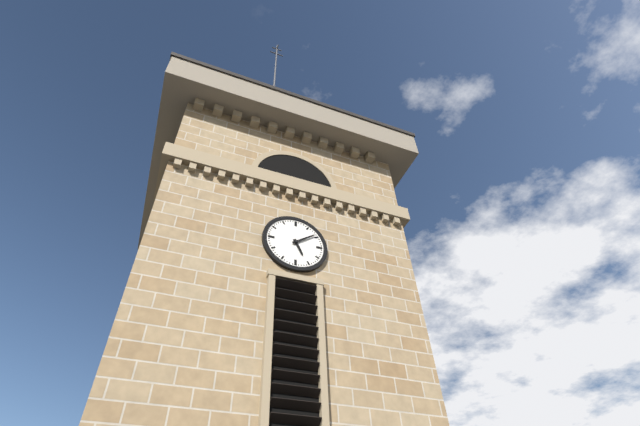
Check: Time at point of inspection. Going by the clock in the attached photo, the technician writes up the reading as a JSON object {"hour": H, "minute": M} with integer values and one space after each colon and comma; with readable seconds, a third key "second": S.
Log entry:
{"hour": 5, "minute": 9}
